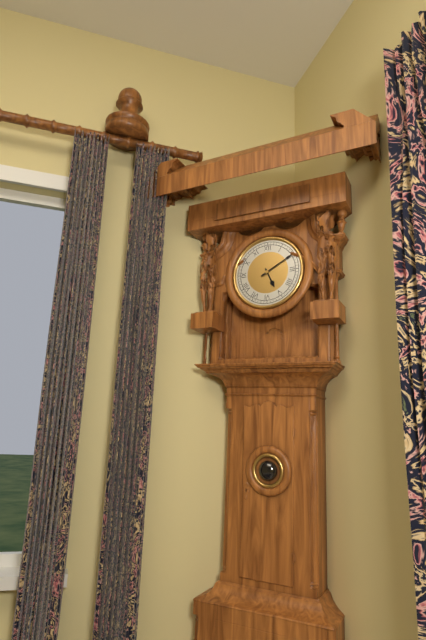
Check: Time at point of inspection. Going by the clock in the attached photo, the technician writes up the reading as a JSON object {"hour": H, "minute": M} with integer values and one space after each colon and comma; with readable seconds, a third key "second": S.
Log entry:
{"hour": 5, "minute": 10}
